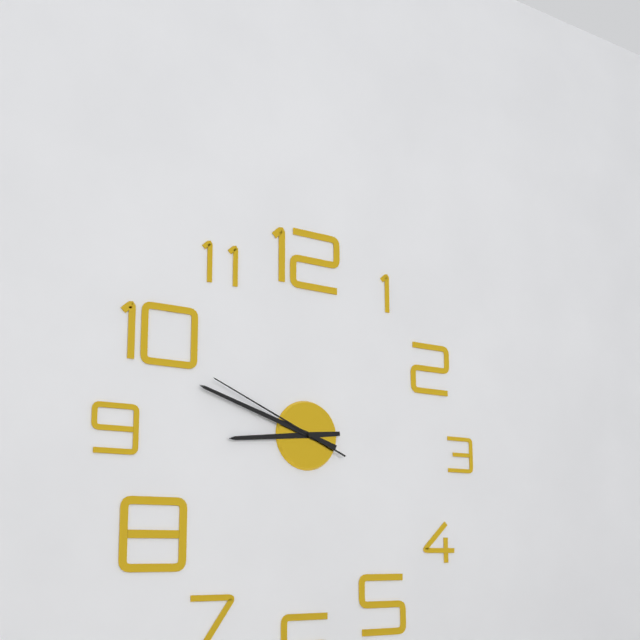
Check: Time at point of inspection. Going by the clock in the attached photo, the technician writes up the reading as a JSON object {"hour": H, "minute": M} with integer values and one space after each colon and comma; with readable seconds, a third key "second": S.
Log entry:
{"hour": 8, "minute": 48, "second": 49}
